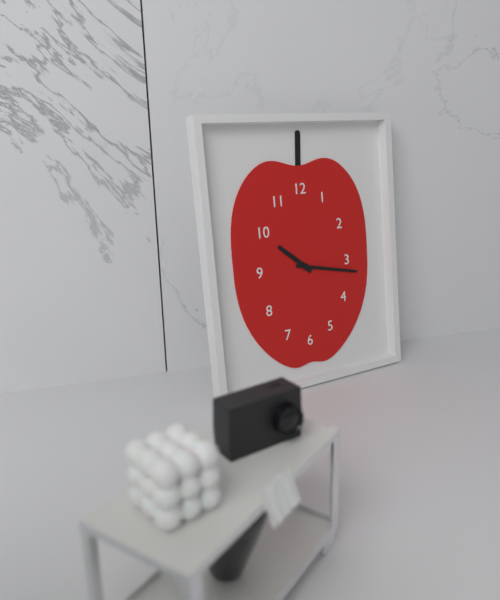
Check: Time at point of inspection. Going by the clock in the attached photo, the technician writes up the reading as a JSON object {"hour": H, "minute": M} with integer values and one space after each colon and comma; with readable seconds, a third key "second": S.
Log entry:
{"hour": 10, "minute": 17}
